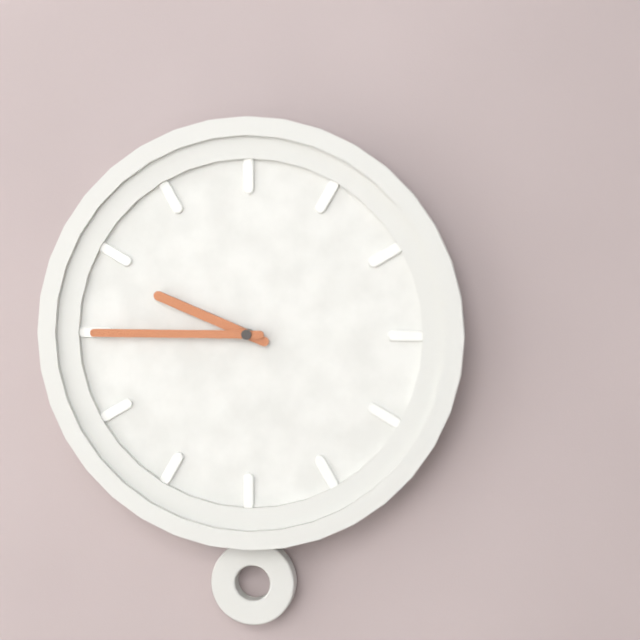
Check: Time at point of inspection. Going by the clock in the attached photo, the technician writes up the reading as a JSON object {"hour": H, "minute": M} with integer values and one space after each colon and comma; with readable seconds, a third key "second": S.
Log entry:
{"hour": 9, "minute": 45}
